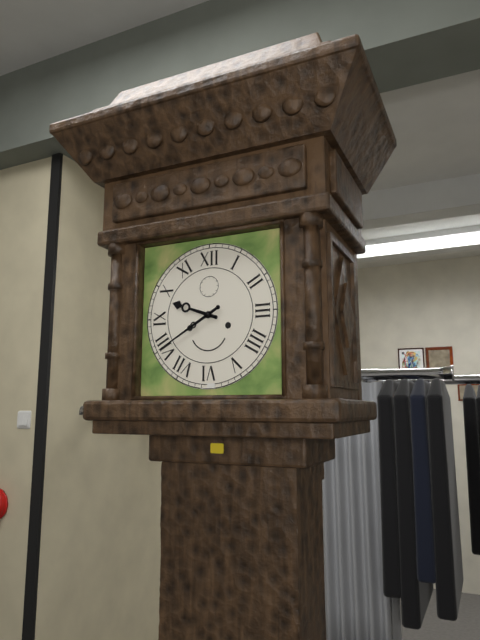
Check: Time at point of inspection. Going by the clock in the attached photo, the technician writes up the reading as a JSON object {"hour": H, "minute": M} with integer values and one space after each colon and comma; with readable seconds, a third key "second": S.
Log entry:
{"hour": 9, "minute": 40}
